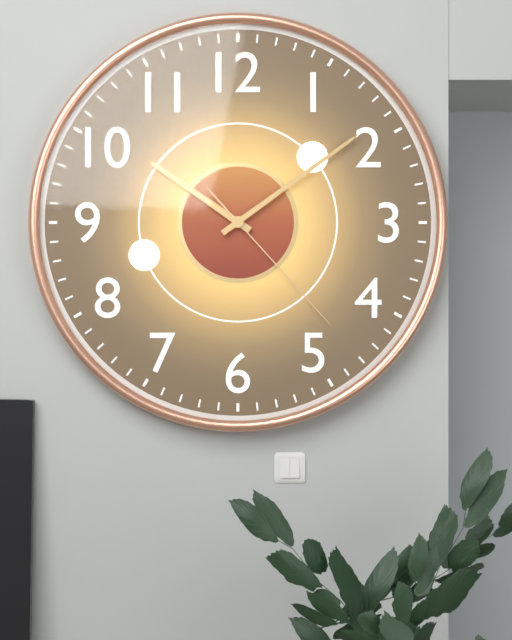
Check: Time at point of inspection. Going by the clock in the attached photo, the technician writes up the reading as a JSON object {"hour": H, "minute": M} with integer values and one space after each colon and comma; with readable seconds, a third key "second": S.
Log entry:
{"hour": 10, "minute": 9, "second": 23}
